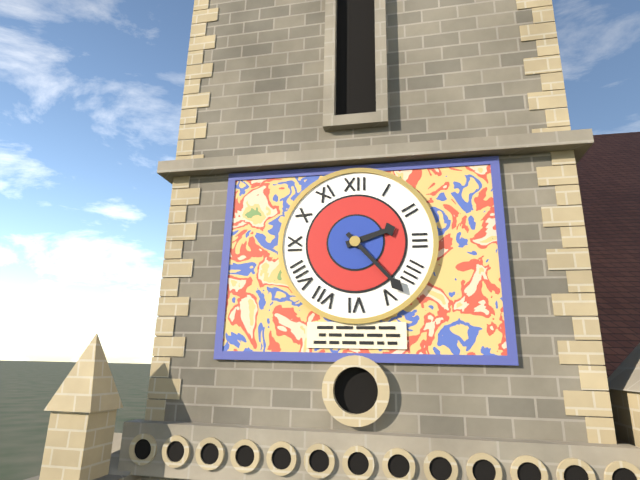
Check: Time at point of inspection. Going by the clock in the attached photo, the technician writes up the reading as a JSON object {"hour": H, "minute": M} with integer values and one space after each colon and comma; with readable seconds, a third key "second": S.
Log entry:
{"hour": 2, "minute": 23}
